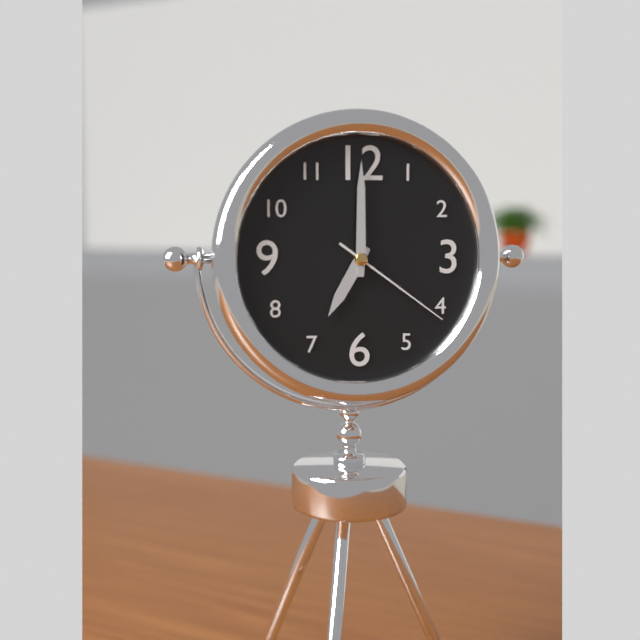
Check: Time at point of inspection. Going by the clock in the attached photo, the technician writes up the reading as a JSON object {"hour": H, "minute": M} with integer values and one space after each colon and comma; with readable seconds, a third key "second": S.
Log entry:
{"hour": 7, "minute": 0, "second": 21}
